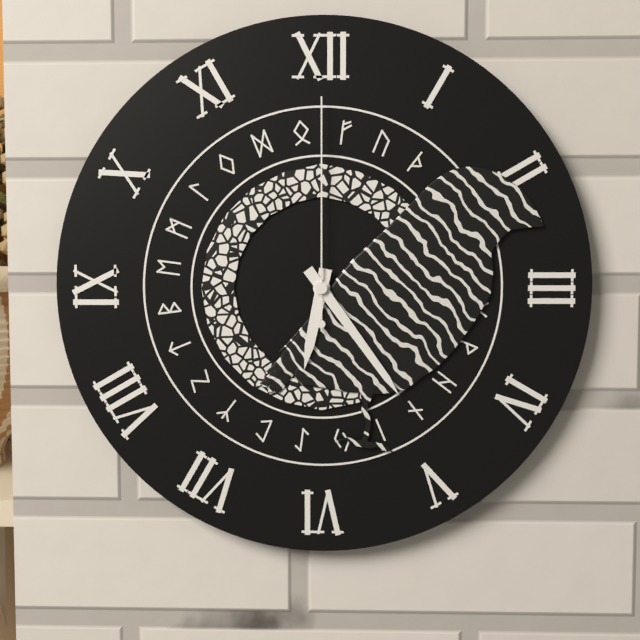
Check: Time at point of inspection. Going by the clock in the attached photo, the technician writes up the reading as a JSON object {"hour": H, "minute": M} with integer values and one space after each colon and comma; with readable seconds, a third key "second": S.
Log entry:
{"hour": 6, "minute": 24, "second": 0}
